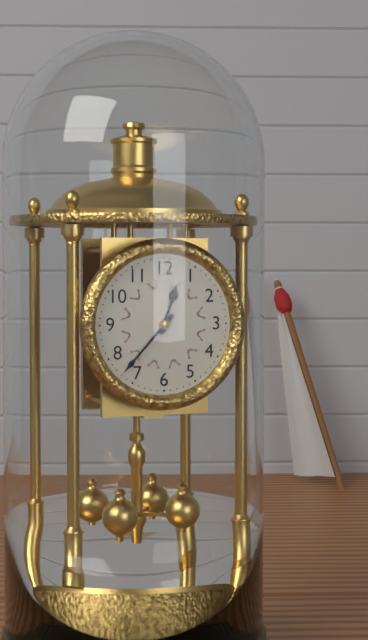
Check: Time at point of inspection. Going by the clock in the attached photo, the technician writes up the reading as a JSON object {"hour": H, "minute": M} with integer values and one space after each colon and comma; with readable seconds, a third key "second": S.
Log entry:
{"hour": 12, "minute": 37}
